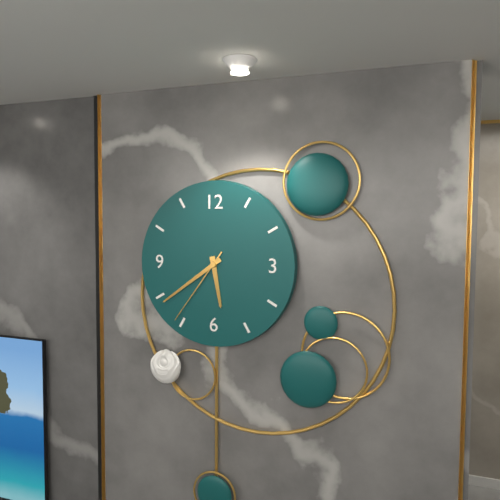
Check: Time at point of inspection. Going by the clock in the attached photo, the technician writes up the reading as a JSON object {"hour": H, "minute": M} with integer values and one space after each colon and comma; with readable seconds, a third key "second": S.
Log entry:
{"hour": 5, "minute": 39, "second": 36}
